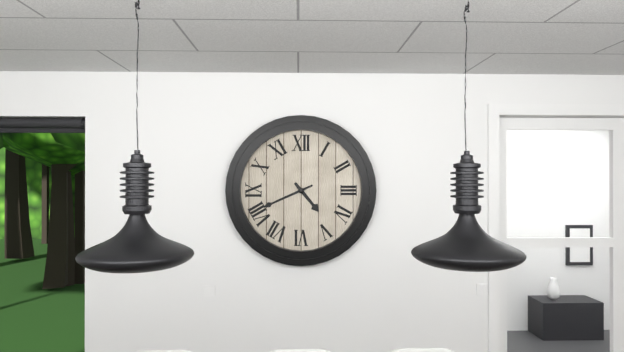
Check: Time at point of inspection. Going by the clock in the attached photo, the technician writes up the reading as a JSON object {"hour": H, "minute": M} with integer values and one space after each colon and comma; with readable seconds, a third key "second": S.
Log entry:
{"hour": 4, "minute": 41}
